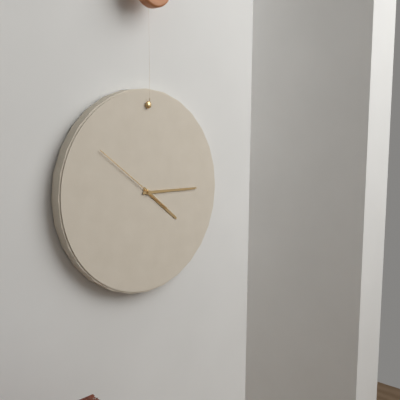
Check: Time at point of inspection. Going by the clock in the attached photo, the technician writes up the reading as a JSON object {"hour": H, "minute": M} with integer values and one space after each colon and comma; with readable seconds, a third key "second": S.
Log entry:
{"hour": 4, "minute": 15, "second": 51}
